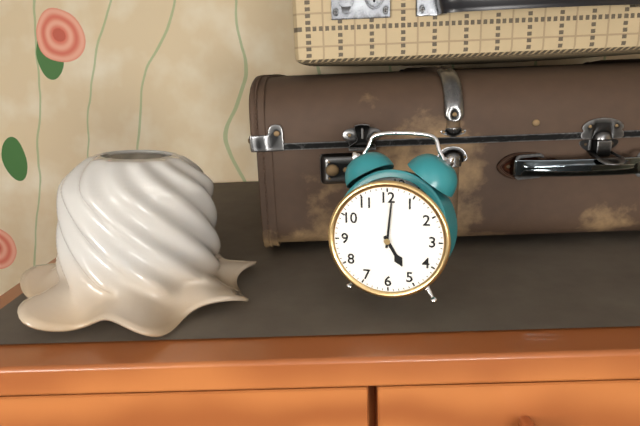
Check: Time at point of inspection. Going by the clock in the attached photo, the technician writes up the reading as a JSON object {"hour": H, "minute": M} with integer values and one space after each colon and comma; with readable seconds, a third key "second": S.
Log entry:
{"hour": 5, "minute": 1}
